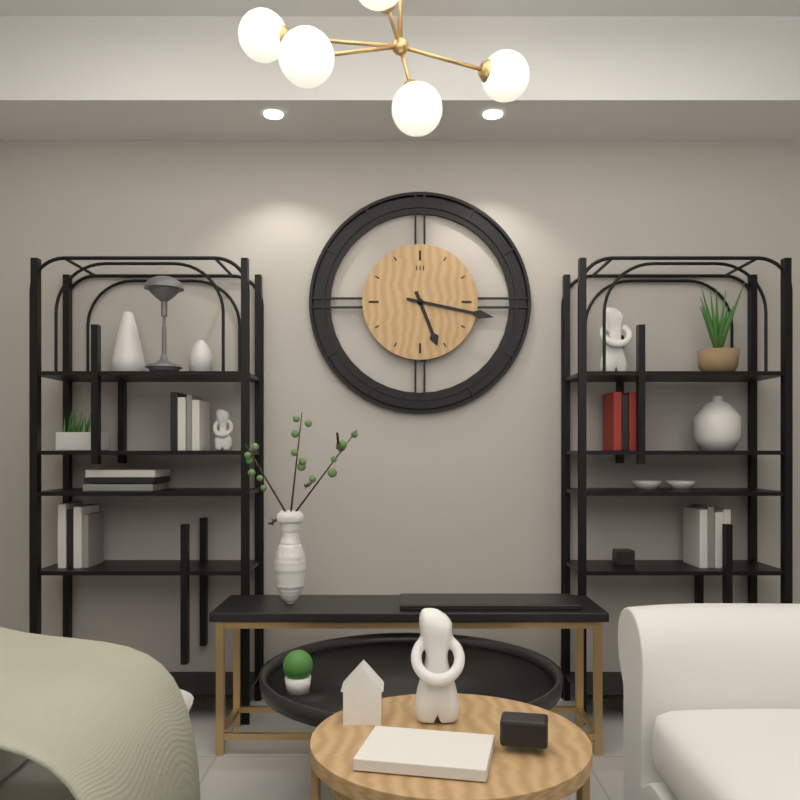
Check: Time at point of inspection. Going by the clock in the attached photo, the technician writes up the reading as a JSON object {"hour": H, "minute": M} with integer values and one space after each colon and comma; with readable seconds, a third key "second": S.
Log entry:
{"hour": 5, "minute": 17}
